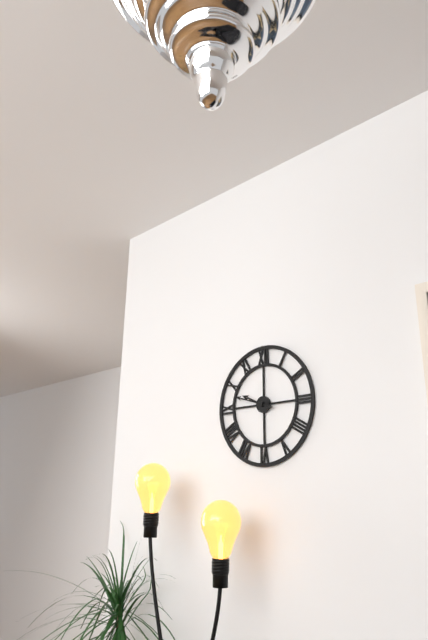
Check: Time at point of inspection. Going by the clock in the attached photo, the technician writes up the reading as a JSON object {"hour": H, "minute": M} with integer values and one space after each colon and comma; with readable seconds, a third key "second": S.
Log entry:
{"hour": 9, "minute": 48}
